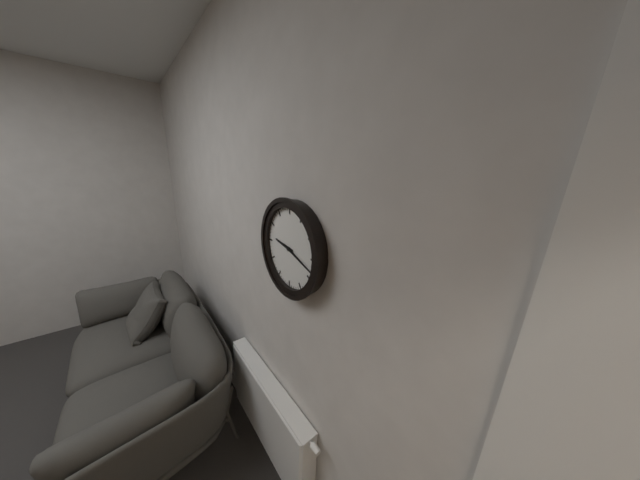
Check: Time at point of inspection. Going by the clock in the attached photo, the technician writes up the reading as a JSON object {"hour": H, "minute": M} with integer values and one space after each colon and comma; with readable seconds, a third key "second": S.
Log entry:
{"hour": 9, "minute": 18}
